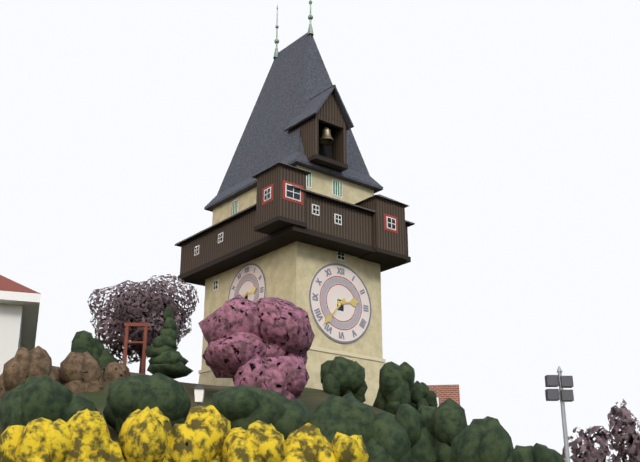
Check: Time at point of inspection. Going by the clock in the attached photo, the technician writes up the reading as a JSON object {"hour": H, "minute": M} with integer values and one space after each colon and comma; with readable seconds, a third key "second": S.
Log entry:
{"hour": 2, "minute": 37}
